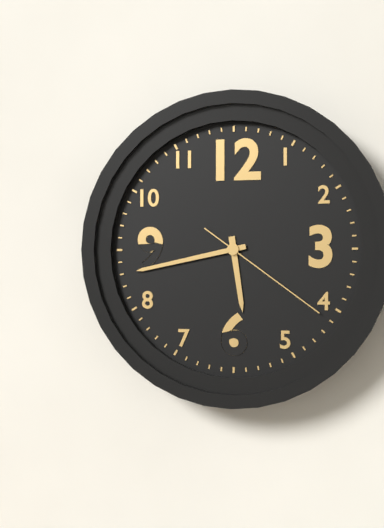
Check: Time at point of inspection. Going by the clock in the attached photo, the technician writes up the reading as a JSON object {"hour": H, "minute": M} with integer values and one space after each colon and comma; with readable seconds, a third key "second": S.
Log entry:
{"hour": 5, "minute": 43, "second": 21}
